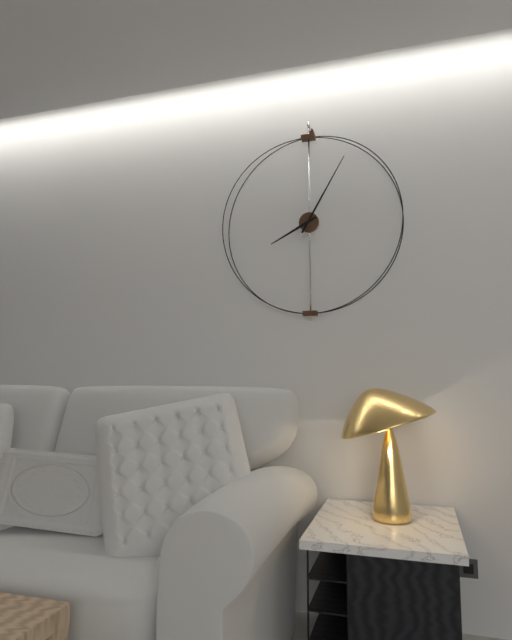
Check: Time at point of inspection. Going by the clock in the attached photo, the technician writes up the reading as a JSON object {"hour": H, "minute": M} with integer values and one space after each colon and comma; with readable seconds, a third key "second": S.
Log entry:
{"hour": 8, "minute": 5}
